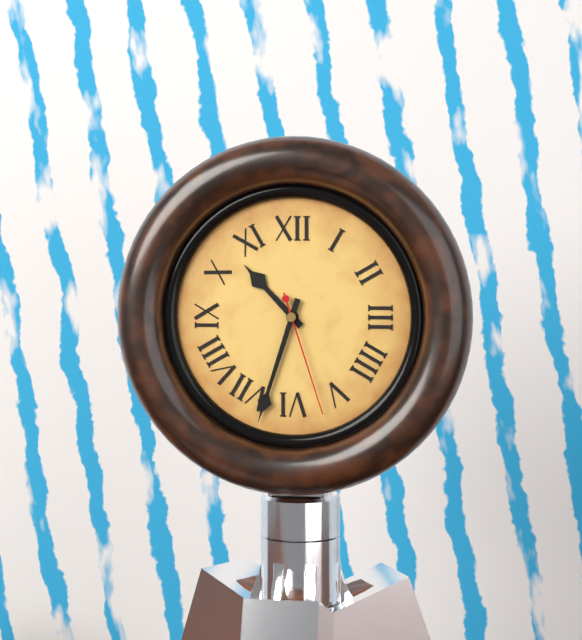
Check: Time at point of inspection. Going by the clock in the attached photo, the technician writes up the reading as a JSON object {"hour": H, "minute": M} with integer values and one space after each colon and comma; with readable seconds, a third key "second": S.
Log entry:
{"hour": 10, "minute": 33, "second": 27}
